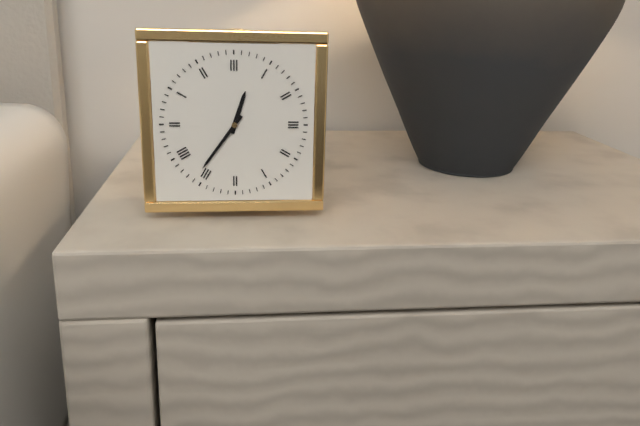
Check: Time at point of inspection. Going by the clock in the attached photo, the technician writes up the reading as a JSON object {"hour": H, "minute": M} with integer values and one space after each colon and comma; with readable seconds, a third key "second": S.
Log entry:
{"hour": 12, "minute": 36}
